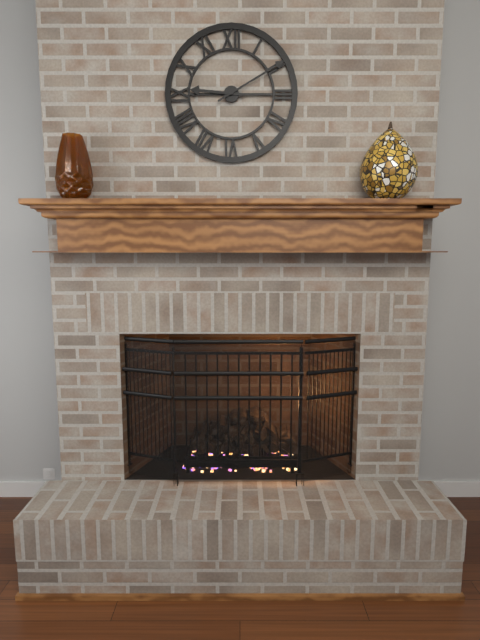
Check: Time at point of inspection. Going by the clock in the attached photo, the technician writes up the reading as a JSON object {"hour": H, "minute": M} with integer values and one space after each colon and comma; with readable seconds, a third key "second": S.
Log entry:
{"hour": 9, "minute": 10}
